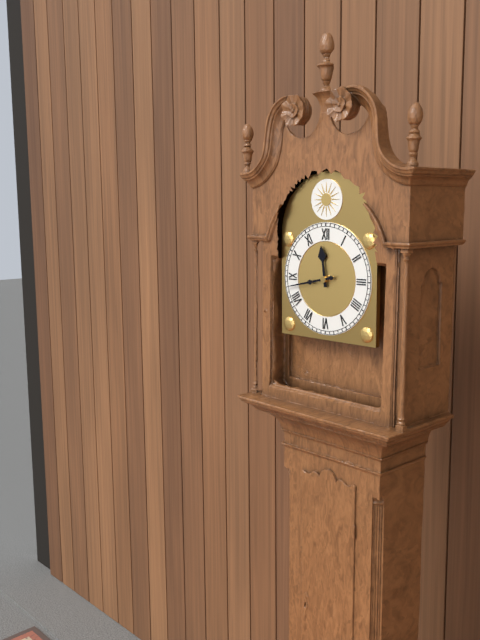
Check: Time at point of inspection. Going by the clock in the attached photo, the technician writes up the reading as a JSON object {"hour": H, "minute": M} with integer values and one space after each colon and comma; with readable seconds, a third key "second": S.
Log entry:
{"hour": 11, "minute": 43}
